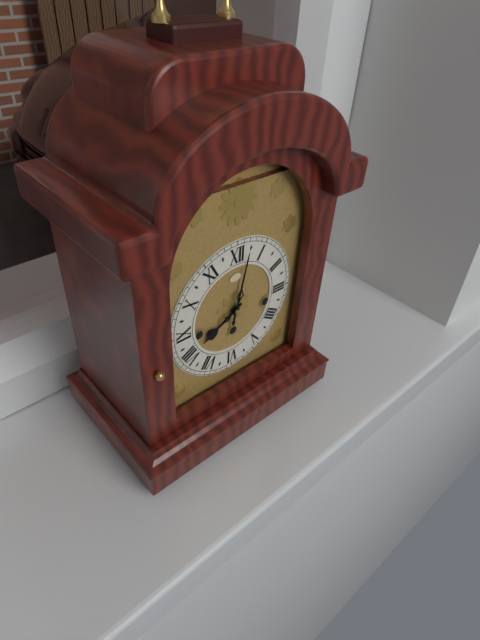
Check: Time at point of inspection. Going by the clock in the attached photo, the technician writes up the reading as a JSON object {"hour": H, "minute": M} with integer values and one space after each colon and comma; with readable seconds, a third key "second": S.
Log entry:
{"hour": 8, "minute": 2}
